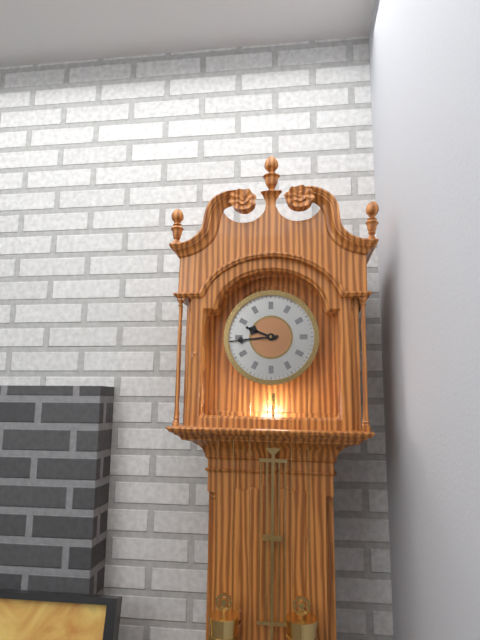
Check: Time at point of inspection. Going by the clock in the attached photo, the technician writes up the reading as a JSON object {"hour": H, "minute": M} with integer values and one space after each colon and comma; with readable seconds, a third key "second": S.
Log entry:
{"hour": 9, "minute": 44}
